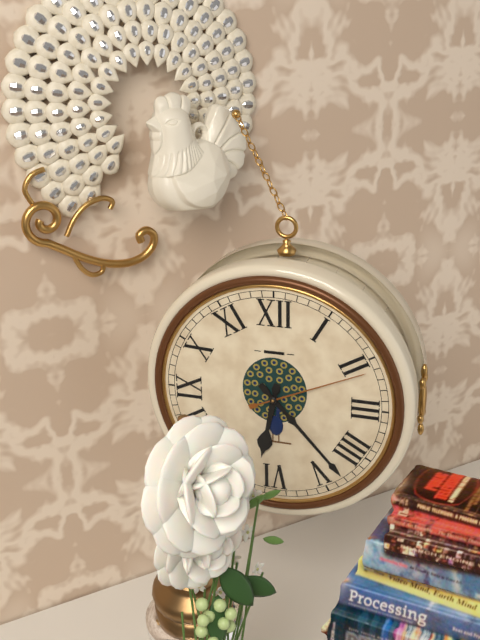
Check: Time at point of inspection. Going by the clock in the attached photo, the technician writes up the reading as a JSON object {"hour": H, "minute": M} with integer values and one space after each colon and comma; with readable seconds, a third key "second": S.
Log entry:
{"hour": 6, "minute": 23, "second": 11}
